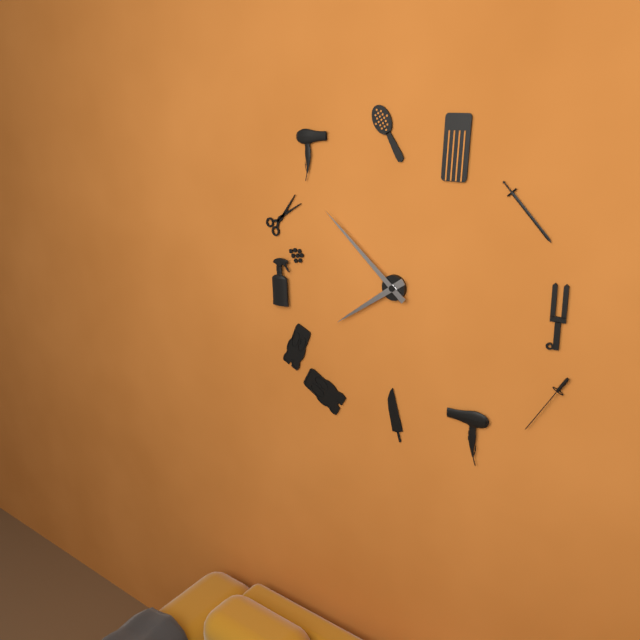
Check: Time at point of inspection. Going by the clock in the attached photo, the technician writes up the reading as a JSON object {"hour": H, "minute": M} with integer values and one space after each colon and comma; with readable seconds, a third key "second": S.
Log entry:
{"hour": 7, "minute": 52}
